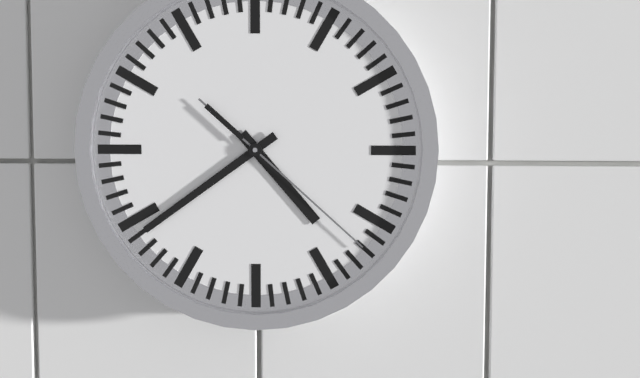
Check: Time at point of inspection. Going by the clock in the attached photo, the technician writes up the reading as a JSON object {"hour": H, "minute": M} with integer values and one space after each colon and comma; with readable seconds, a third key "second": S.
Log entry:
{"hour": 4, "minute": 39, "second": 22}
